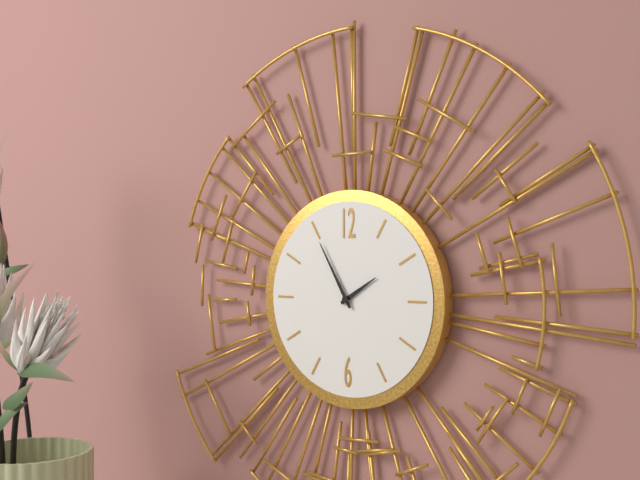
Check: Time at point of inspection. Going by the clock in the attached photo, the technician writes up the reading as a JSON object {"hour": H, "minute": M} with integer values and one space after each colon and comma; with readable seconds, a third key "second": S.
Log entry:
{"hour": 1, "minute": 55}
